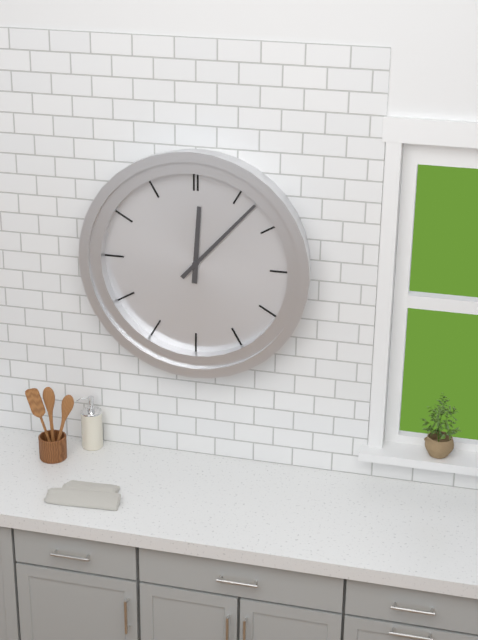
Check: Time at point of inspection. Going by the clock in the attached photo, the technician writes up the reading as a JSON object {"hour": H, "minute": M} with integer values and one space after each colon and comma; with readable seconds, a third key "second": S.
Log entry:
{"hour": 12, "minute": 7}
